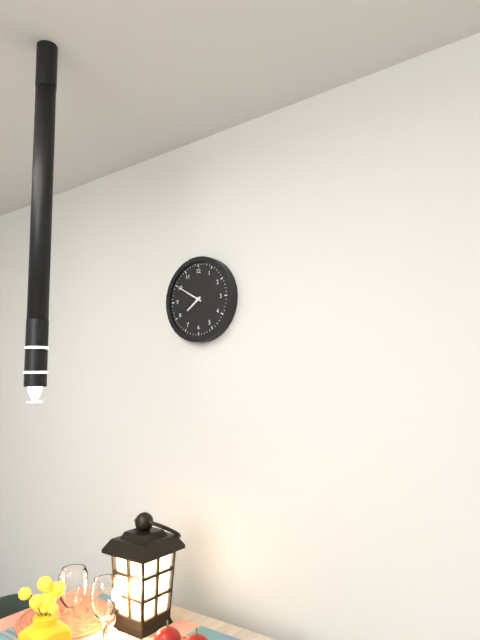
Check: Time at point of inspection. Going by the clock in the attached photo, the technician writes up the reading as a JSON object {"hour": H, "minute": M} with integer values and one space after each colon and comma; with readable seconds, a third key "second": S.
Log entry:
{"hour": 7, "minute": 50}
